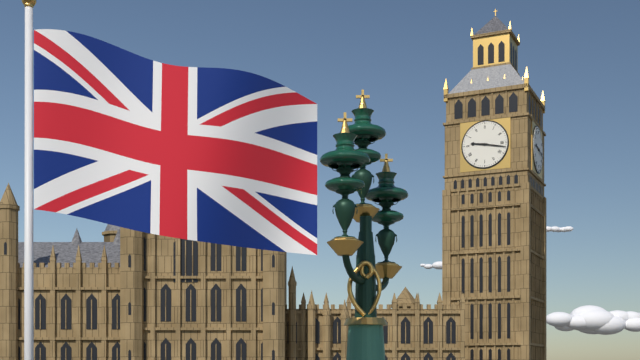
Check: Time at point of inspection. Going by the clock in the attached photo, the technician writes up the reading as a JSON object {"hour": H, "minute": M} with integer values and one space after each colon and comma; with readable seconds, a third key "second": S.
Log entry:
{"hour": 9, "minute": 17}
